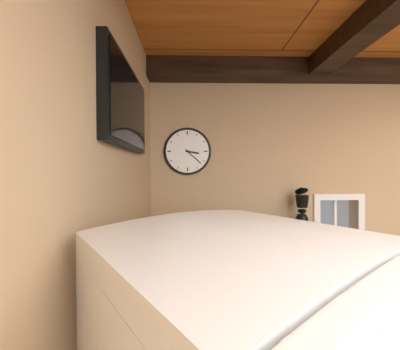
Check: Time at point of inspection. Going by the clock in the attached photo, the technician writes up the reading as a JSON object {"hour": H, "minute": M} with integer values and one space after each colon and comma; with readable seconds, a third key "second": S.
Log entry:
{"hour": 3, "minute": 22}
